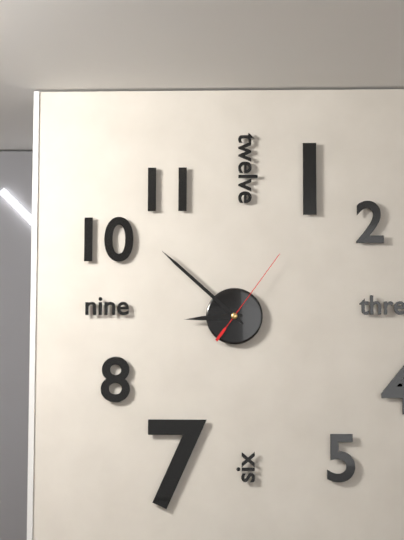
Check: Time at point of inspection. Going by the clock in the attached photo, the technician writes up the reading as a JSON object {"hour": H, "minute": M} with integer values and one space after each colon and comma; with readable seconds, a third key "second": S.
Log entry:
{"hour": 8, "minute": 52, "second": 6}
